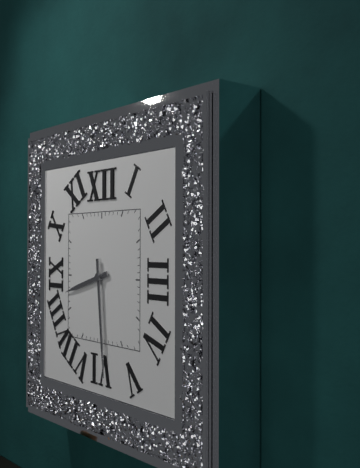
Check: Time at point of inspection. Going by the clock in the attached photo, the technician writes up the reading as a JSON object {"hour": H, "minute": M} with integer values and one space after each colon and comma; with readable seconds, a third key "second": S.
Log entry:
{"hour": 8, "minute": 29}
